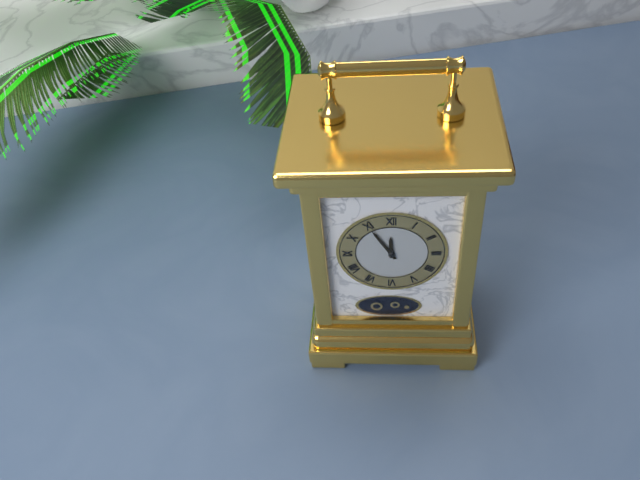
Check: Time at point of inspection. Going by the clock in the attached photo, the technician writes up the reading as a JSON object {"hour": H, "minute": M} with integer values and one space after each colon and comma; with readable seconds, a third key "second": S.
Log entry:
{"hour": 11, "minute": 55}
